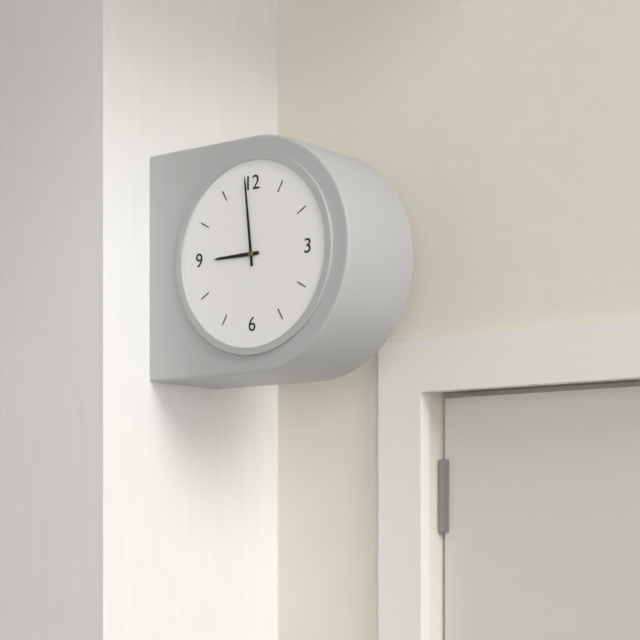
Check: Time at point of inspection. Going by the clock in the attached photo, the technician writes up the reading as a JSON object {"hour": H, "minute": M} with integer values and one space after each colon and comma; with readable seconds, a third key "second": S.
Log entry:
{"hour": 8, "minute": 59}
